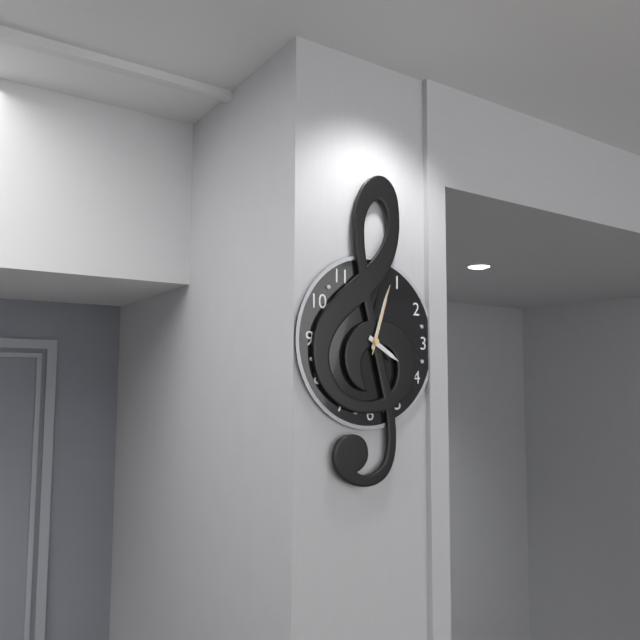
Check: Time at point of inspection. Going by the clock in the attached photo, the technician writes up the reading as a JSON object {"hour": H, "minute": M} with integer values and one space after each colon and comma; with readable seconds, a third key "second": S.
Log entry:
{"hour": 4, "minute": 3, "second": 3}
